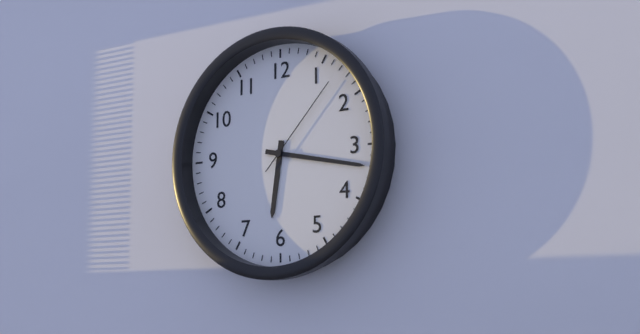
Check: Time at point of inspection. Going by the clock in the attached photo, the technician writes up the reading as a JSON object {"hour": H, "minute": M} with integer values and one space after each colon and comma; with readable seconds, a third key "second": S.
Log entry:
{"hour": 6, "minute": 17, "second": 7}
